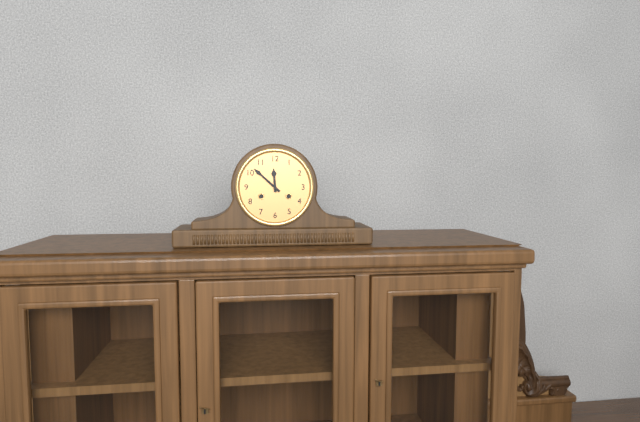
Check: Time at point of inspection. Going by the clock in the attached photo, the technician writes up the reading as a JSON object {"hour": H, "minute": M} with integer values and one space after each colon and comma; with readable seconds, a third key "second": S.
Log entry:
{"hour": 11, "minute": 52}
